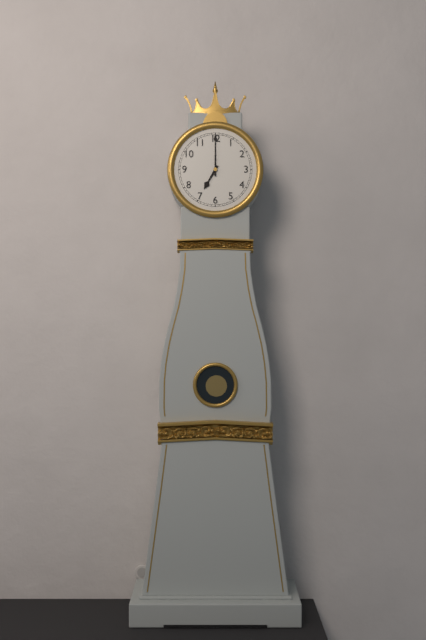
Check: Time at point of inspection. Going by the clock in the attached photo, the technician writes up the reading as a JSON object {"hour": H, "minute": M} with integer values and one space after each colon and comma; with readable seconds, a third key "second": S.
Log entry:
{"hour": 7, "minute": 0}
